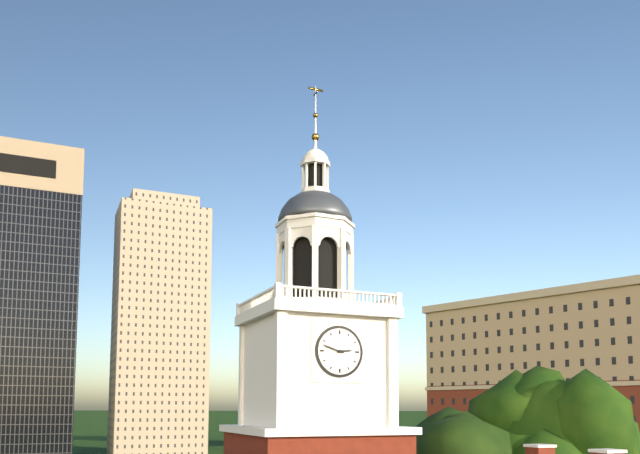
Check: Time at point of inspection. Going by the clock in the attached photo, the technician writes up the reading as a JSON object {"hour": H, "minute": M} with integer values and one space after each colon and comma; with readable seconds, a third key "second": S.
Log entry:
{"hour": 2, "minute": 48}
